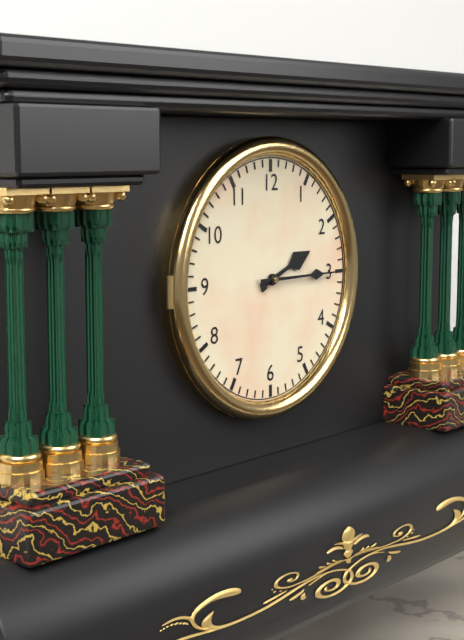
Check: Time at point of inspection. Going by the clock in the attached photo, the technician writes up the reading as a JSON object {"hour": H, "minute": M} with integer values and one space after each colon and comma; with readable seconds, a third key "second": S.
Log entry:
{"hour": 2, "minute": 15}
